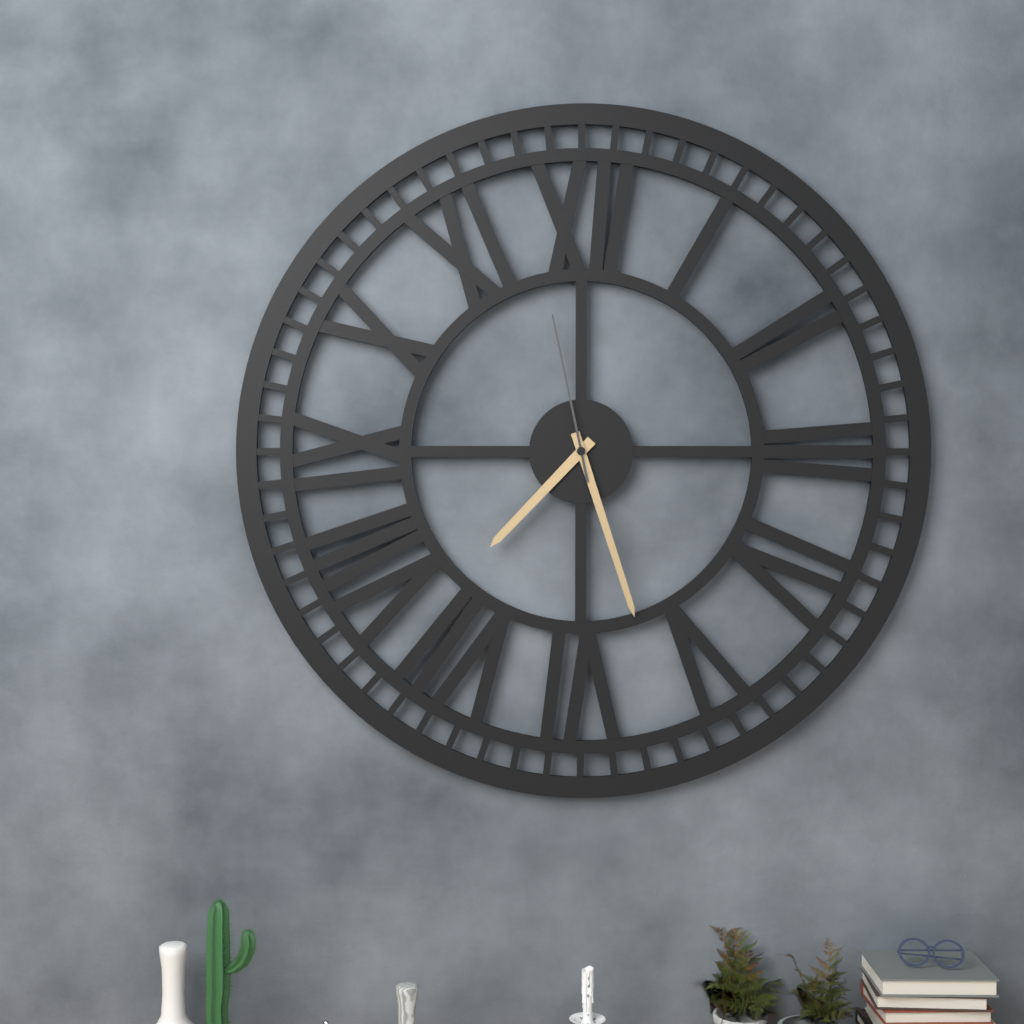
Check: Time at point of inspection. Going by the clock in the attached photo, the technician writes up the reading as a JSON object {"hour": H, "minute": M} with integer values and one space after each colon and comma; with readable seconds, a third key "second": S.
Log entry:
{"hour": 7, "minute": 27, "second": 58}
